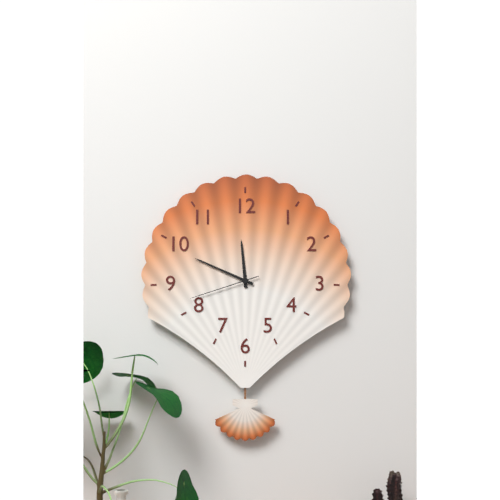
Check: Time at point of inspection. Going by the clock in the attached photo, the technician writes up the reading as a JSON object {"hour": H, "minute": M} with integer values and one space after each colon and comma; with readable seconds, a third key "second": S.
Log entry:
{"hour": 11, "minute": 49, "second": 42}
